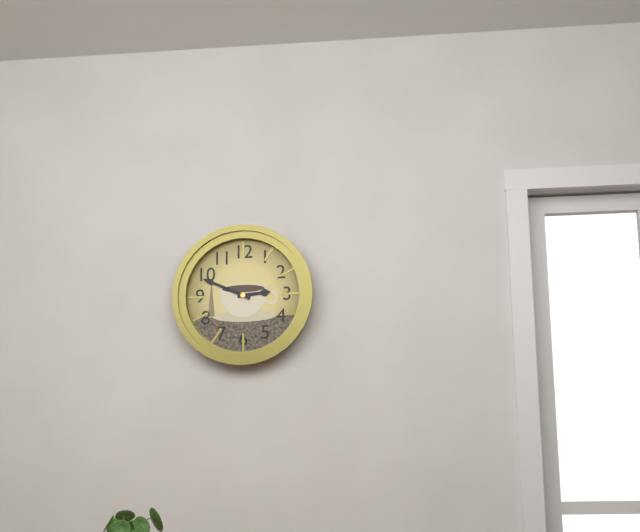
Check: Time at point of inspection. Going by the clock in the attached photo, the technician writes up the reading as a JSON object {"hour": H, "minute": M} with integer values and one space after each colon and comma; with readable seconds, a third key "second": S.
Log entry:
{"hour": 2, "minute": 49}
